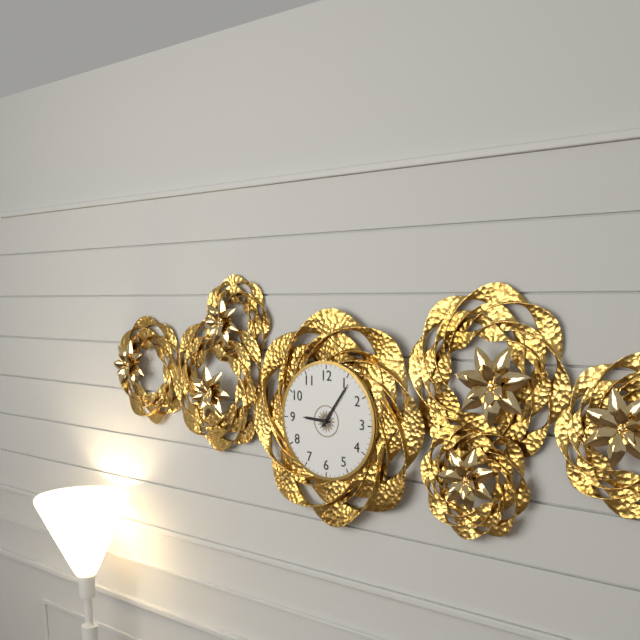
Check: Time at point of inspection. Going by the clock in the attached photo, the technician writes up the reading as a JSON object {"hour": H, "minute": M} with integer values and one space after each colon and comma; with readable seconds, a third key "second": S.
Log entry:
{"hour": 9, "minute": 6}
